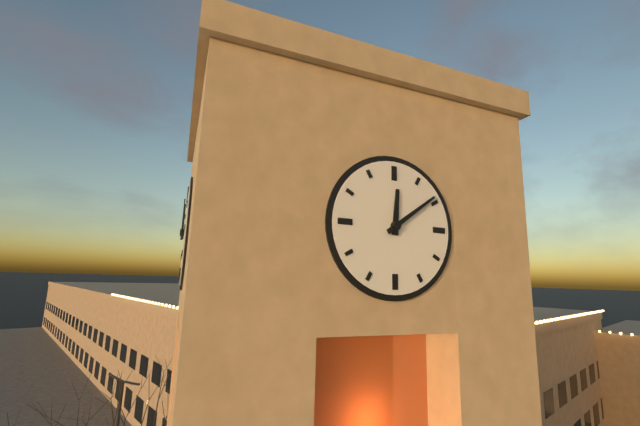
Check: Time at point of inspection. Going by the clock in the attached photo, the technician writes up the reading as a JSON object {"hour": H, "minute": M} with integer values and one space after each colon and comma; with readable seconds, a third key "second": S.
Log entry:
{"hour": 12, "minute": 9}
